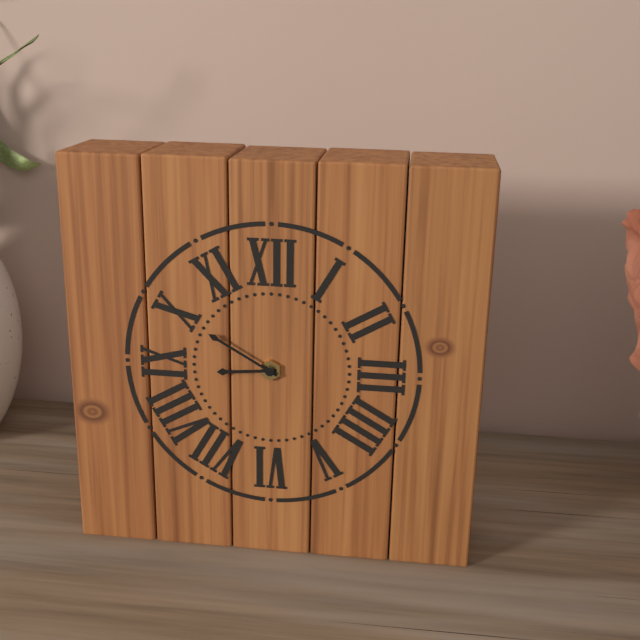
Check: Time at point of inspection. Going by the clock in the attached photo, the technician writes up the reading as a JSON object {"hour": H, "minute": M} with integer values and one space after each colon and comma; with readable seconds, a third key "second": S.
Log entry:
{"hour": 8, "minute": 50}
